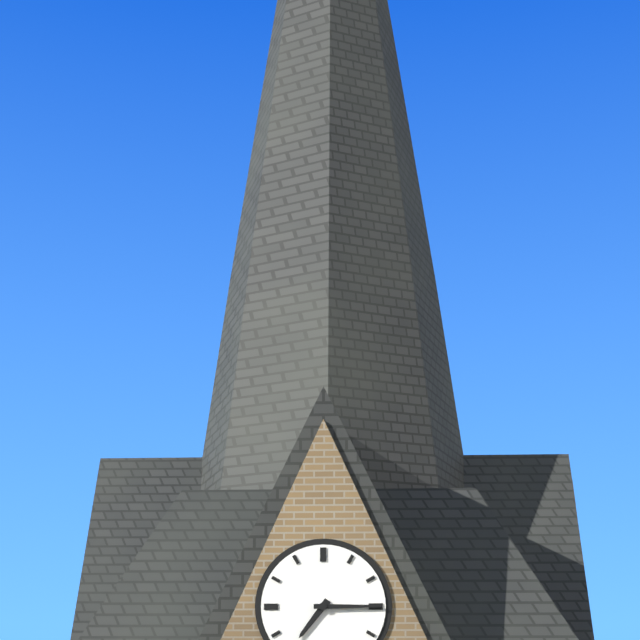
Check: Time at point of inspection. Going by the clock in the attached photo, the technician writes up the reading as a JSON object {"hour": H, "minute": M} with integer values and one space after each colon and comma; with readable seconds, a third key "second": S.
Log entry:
{"hour": 7, "minute": 15}
